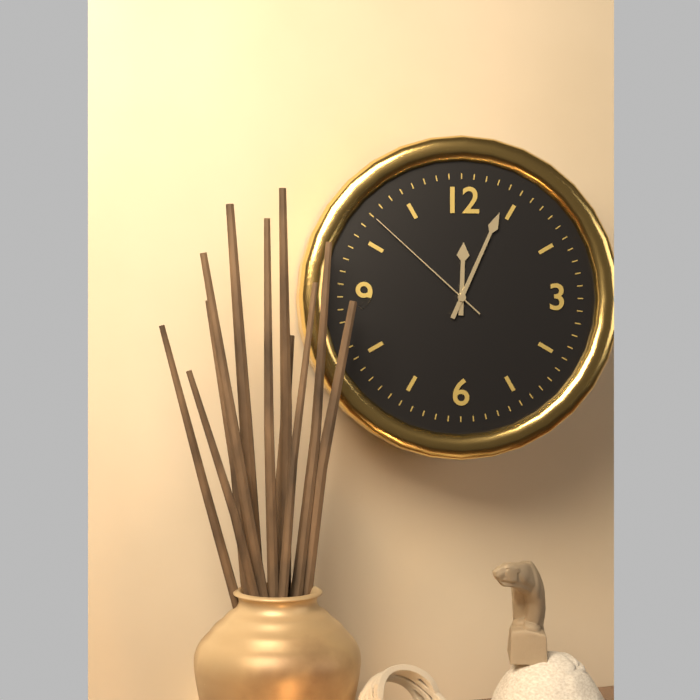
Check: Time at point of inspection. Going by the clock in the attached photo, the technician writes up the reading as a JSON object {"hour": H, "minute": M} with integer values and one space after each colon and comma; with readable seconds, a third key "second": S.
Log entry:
{"hour": 12, "minute": 4, "second": 52}
